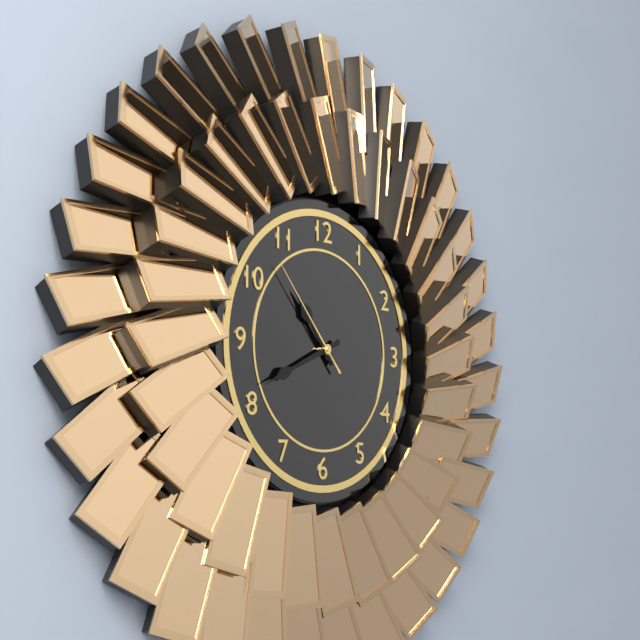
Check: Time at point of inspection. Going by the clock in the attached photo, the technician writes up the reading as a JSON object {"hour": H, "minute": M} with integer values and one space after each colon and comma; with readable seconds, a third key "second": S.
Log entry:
{"hour": 10, "minute": 41, "second": 53}
